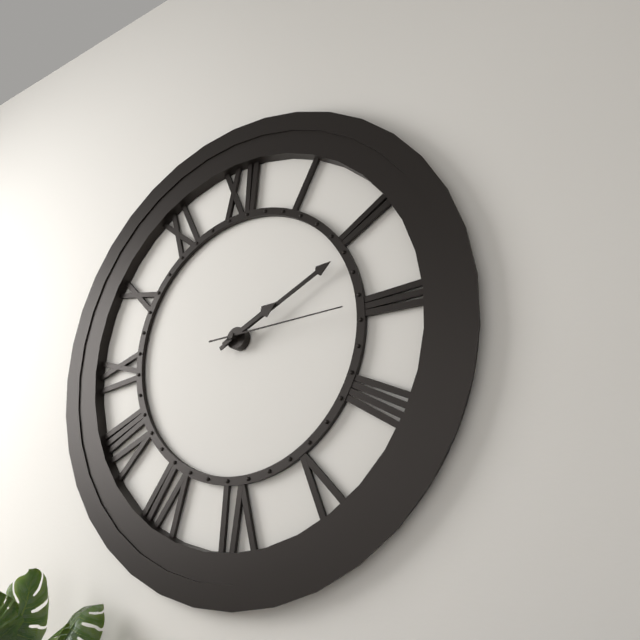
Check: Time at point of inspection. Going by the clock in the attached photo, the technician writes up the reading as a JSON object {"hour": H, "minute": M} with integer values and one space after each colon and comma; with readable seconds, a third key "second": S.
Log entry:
{"hour": 2, "minute": 11, "second": 15}
